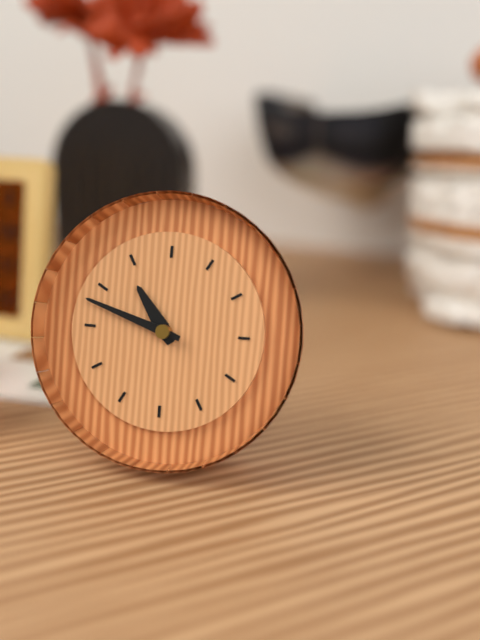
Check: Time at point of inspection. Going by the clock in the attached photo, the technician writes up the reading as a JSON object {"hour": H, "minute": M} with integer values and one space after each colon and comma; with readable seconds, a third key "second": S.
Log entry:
{"hour": 10, "minute": 48}
